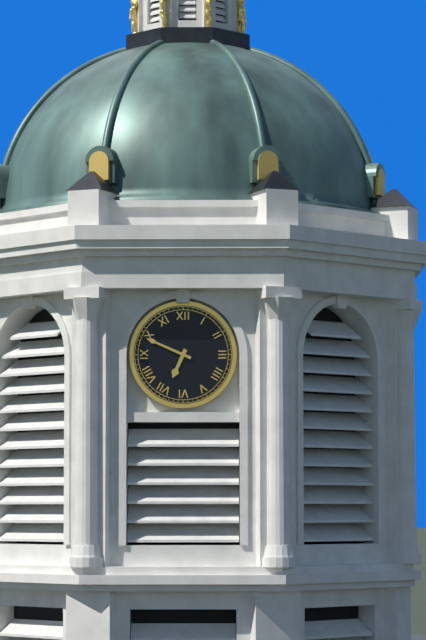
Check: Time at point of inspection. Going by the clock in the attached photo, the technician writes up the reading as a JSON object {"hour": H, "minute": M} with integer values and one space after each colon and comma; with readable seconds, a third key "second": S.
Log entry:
{"hour": 6, "minute": 49}
